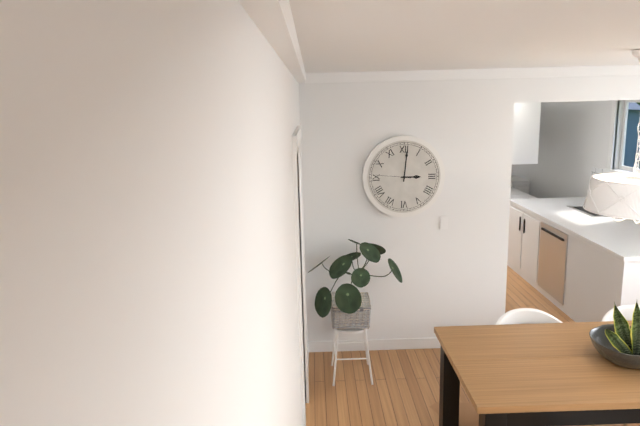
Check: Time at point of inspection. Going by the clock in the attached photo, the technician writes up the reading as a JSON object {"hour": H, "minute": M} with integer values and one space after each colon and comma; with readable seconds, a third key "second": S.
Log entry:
{"hour": 3, "minute": 1}
